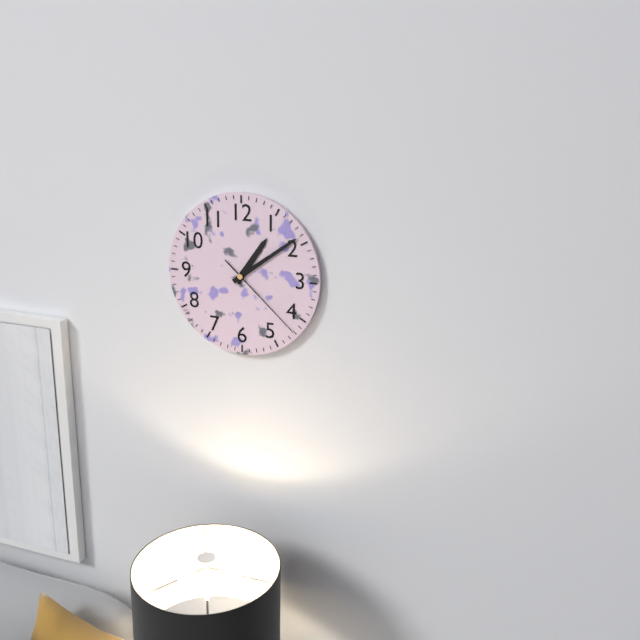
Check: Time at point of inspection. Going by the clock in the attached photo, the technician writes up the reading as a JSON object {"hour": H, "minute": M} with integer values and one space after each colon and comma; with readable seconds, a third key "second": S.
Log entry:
{"hour": 1, "minute": 9, "second": 22}
